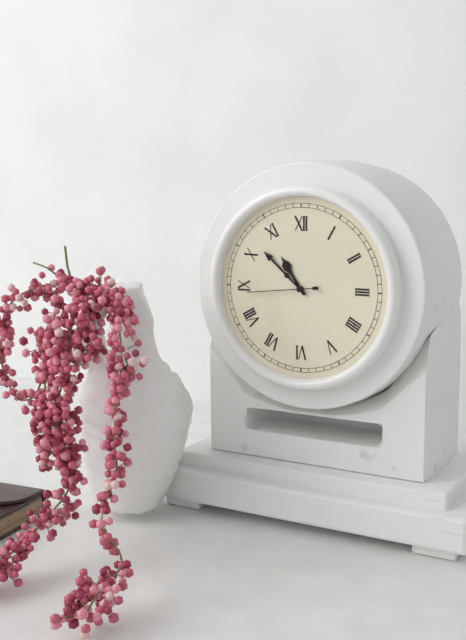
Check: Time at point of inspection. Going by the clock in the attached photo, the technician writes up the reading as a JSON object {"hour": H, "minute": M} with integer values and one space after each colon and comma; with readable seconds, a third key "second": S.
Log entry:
{"hour": 10, "minute": 52, "second": 44}
